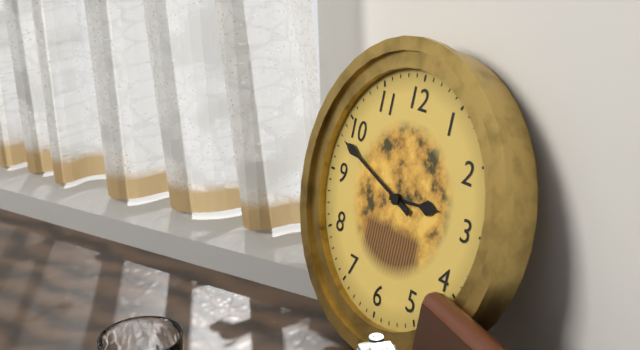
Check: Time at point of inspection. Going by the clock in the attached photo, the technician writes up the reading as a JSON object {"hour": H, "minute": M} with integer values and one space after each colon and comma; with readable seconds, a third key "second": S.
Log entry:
{"hour": 2, "minute": 48}
